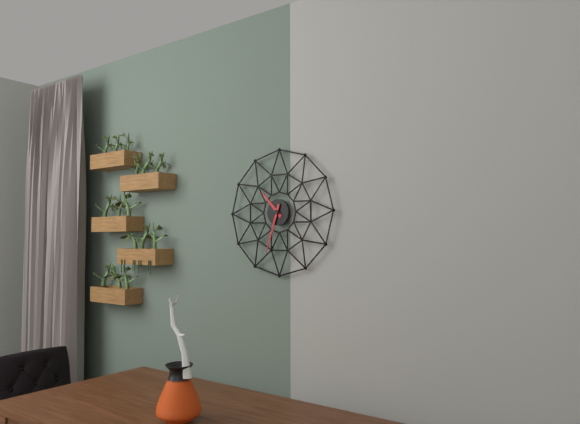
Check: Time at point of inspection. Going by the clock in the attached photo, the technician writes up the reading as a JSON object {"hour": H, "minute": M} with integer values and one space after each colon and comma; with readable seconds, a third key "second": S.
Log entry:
{"hour": 10, "minute": 33}
